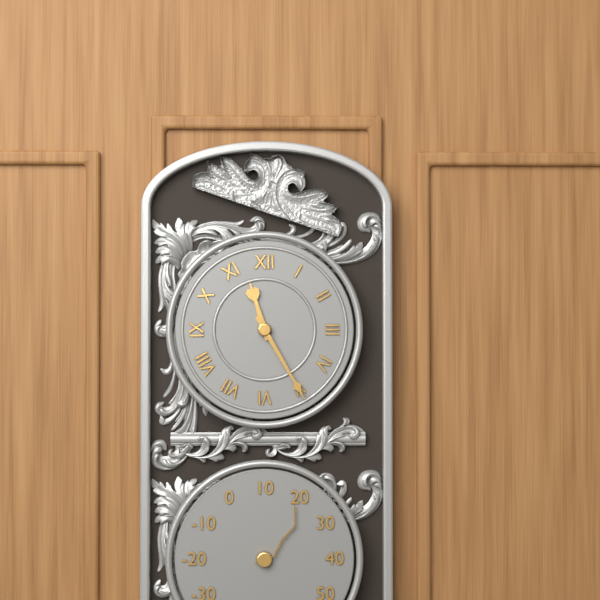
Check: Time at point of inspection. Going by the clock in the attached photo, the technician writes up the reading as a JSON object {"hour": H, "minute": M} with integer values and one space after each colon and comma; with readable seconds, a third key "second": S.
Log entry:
{"hour": 11, "minute": 25}
